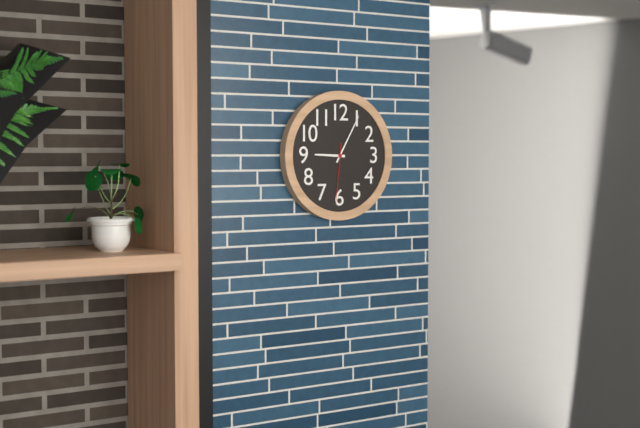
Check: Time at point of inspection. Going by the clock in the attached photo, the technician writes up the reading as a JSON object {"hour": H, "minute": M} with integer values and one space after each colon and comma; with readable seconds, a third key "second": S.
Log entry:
{"hour": 9, "minute": 5, "second": 31}
